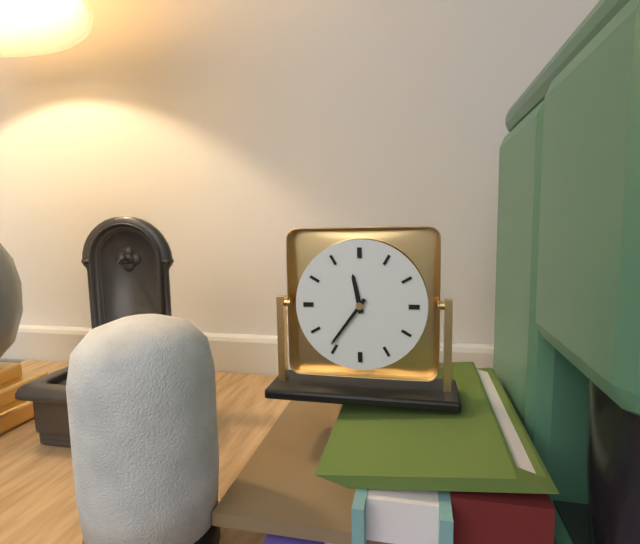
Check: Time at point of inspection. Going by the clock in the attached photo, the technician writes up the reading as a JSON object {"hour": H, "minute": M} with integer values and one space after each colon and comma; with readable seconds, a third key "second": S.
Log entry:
{"hour": 11, "minute": 36}
